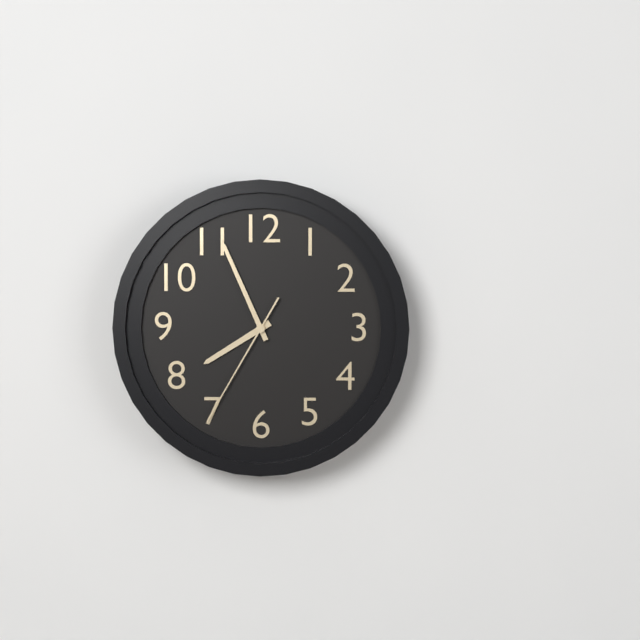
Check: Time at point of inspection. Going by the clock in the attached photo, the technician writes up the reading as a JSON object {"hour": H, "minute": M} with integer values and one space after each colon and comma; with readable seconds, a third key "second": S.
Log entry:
{"hour": 7, "minute": 56, "second": 35}
